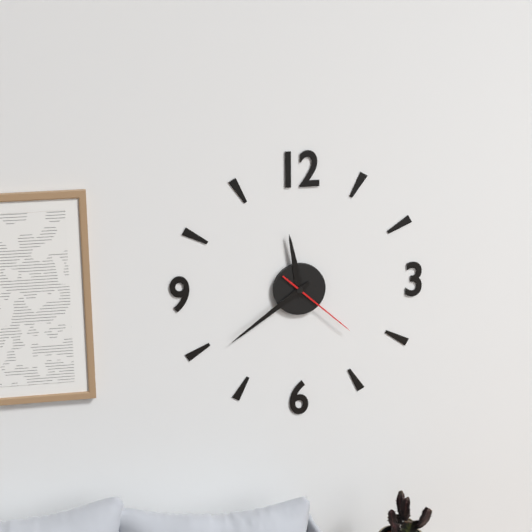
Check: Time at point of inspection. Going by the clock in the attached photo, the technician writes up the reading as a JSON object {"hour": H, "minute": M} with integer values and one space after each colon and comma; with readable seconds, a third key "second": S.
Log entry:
{"hour": 11, "minute": 39, "second": 22}
